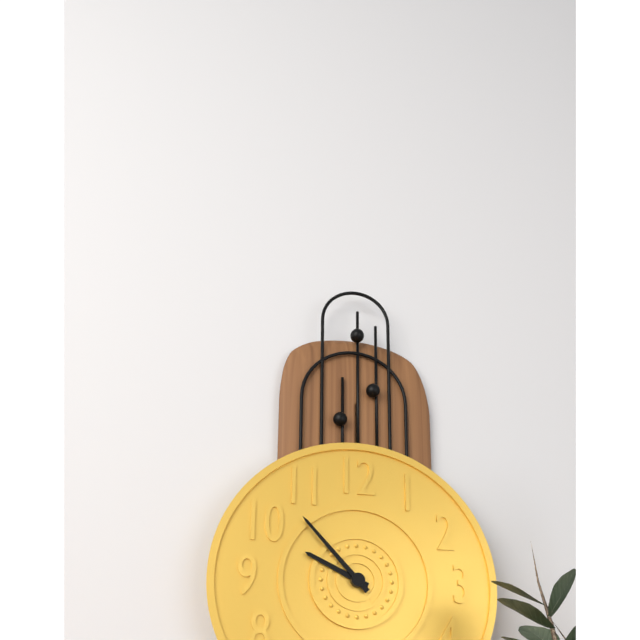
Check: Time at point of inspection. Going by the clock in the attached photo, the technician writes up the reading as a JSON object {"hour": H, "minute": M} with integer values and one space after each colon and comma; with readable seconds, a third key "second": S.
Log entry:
{"hour": 9, "minute": 53}
